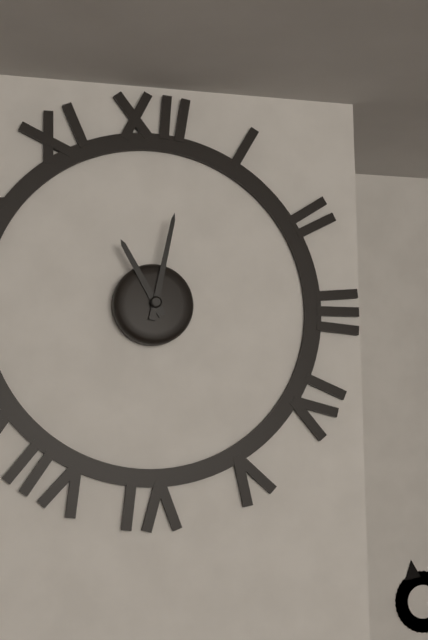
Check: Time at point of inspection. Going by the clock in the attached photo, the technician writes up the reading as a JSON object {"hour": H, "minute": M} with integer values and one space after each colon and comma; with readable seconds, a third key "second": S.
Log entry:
{"hour": 11, "minute": 2}
